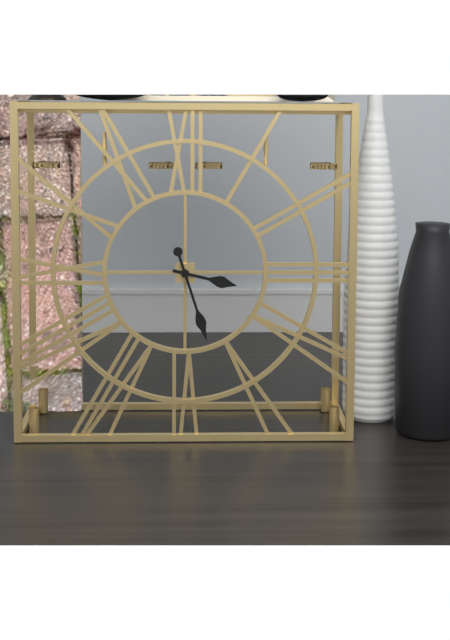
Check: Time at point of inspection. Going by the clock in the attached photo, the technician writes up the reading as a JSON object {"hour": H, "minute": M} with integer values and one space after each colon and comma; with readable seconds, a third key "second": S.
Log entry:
{"hour": 3, "minute": 27}
